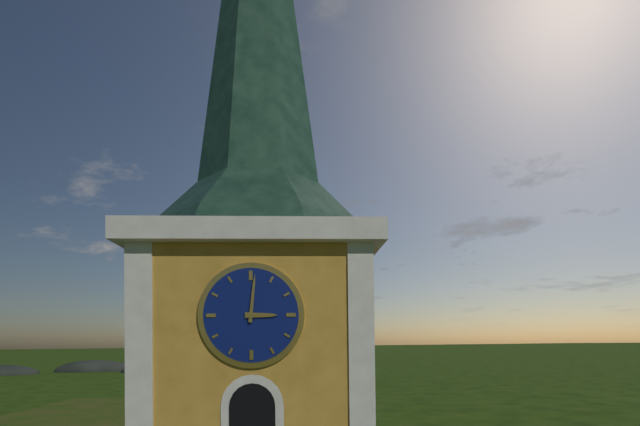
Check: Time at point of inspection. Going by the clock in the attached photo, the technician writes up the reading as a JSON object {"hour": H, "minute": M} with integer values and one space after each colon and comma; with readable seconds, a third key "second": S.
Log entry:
{"hour": 3, "minute": 1}
